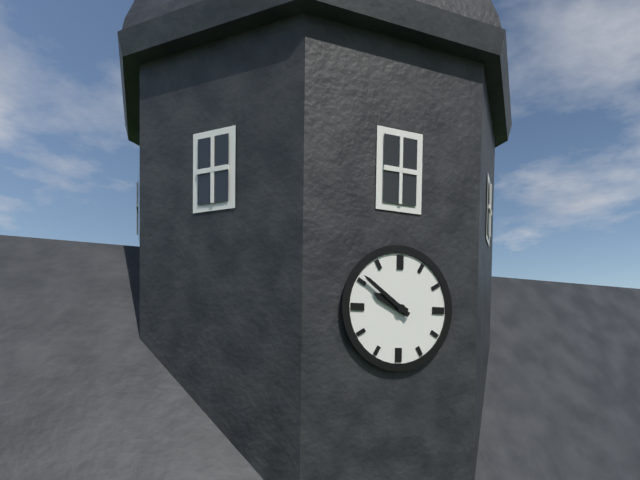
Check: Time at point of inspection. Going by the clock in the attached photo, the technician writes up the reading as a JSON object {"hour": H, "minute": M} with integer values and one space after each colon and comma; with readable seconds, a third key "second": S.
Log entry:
{"hour": 9, "minute": 51}
